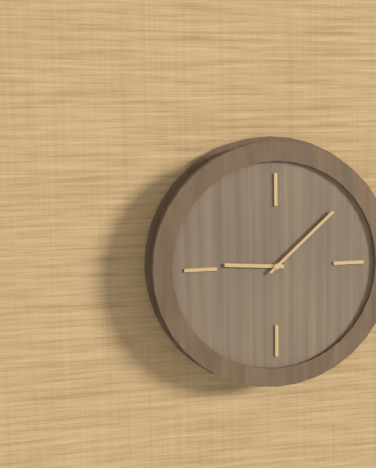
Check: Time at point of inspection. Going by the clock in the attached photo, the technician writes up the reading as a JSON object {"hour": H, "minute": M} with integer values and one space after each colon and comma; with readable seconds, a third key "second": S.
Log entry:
{"hour": 9, "minute": 8}
